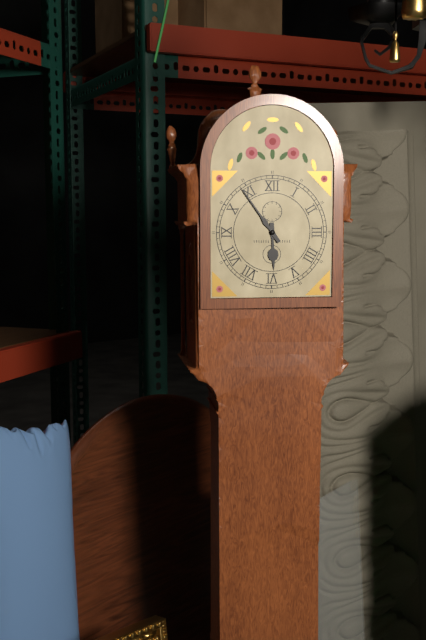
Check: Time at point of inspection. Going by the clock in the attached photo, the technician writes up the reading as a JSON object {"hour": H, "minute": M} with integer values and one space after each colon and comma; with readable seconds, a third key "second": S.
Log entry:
{"hour": 5, "minute": 54}
